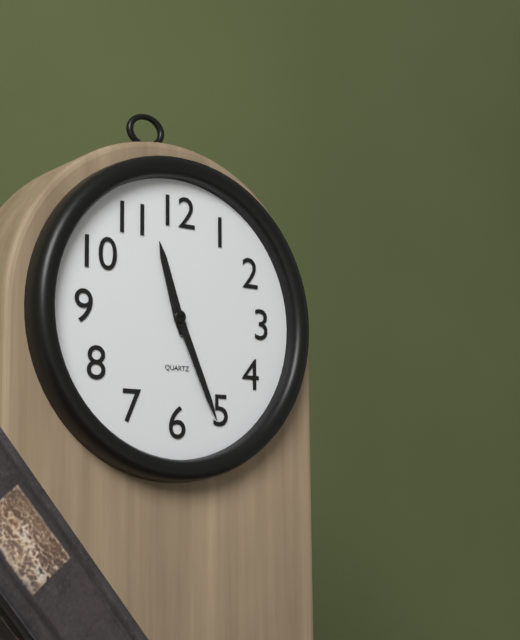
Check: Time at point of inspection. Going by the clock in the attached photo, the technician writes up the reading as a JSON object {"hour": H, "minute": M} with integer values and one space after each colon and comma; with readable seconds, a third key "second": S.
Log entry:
{"hour": 11, "minute": 26}
